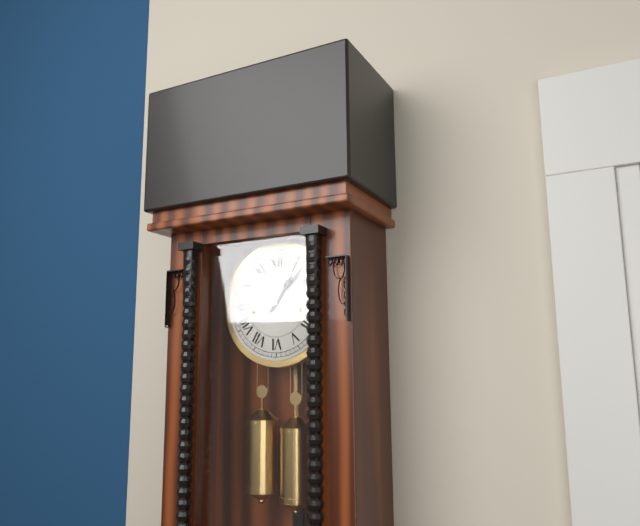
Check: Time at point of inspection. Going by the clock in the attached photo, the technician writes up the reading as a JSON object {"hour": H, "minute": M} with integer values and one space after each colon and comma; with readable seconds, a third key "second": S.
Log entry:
{"hour": 1, "minute": 7}
